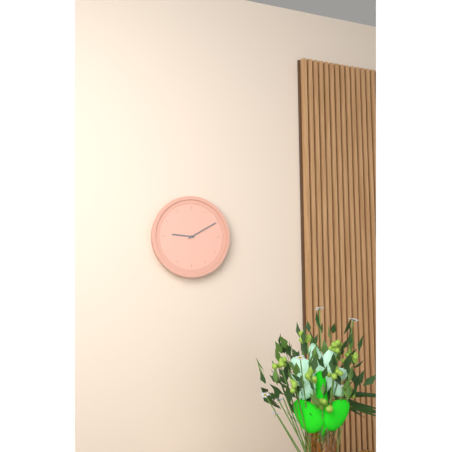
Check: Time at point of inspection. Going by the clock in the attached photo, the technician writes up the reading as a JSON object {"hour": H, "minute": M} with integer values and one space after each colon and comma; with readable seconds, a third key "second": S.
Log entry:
{"hour": 9, "minute": 10}
